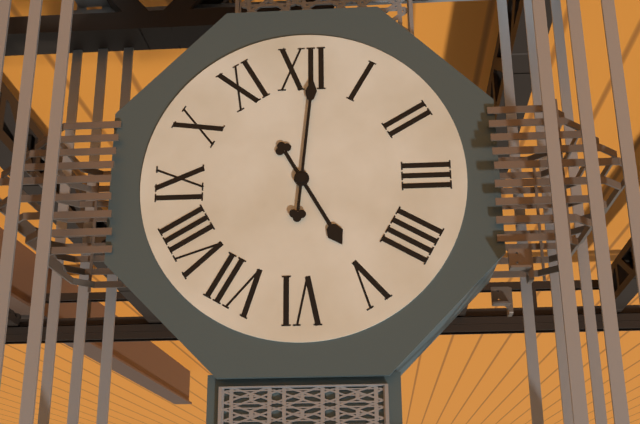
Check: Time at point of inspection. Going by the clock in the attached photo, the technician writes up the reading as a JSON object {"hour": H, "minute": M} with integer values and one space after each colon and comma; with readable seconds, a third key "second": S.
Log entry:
{"hour": 5, "minute": 1}
